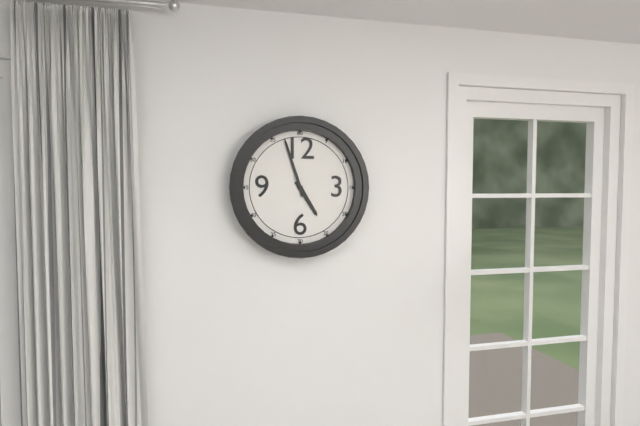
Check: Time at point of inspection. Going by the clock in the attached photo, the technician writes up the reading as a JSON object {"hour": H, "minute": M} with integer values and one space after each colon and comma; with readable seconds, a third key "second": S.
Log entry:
{"hour": 4, "minute": 57}
